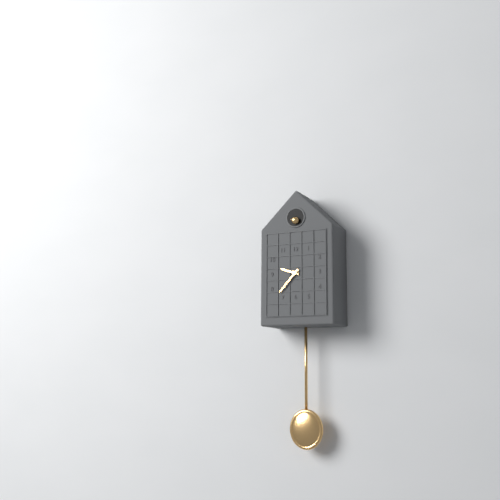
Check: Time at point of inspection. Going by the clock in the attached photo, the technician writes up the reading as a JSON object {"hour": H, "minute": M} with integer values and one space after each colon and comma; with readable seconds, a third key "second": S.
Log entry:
{"hour": 9, "minute": 37}
